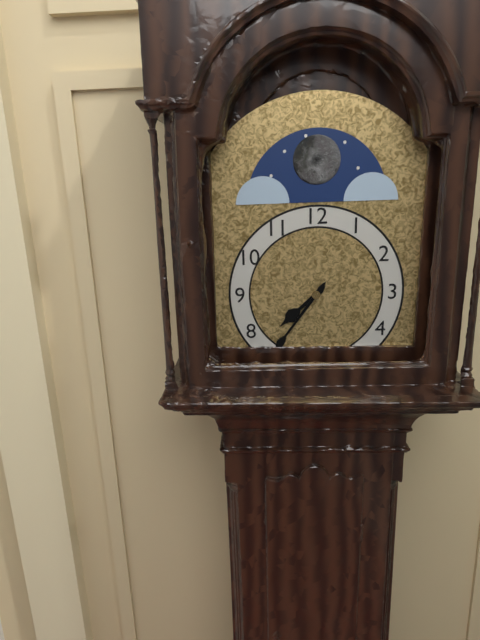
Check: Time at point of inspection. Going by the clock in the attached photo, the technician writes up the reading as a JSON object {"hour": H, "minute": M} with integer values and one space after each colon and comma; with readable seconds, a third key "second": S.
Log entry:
{"hour": 7, "minute": 36}
